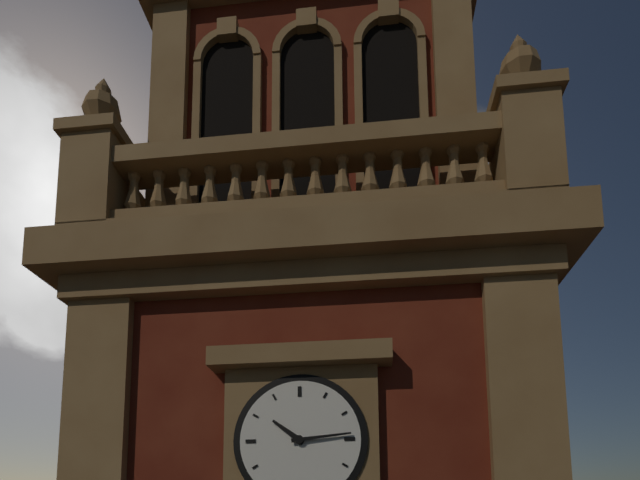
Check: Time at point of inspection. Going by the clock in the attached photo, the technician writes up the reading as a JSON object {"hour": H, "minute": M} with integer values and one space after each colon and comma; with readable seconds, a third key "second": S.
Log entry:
{"hour": 10, "minute": 14}
